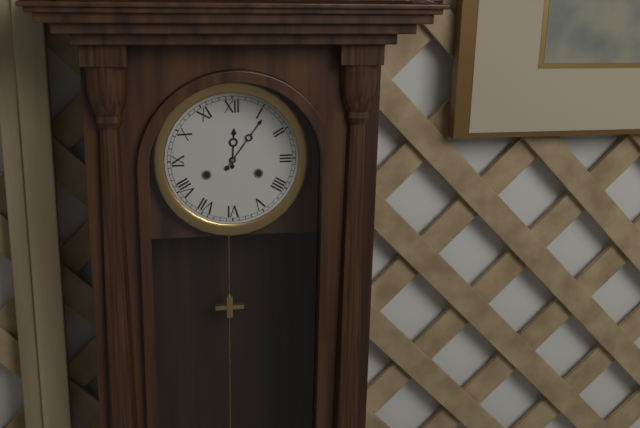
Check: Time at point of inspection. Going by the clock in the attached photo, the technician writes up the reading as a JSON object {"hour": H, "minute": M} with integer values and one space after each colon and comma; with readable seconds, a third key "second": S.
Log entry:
{"hour": 12, "minute": 6}
